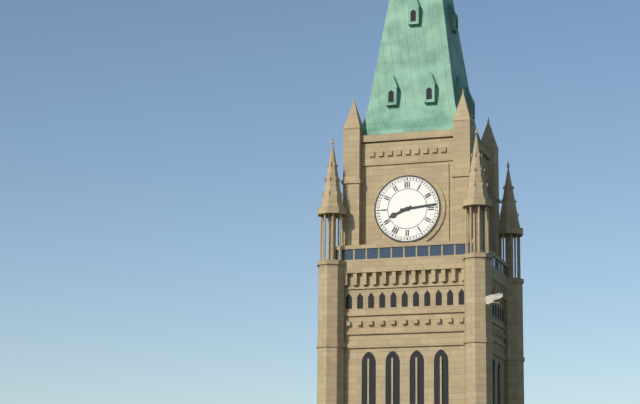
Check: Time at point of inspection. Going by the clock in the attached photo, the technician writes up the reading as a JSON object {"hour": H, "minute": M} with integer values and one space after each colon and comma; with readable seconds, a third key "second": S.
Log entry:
{"hour": 8, "minute": 14}
